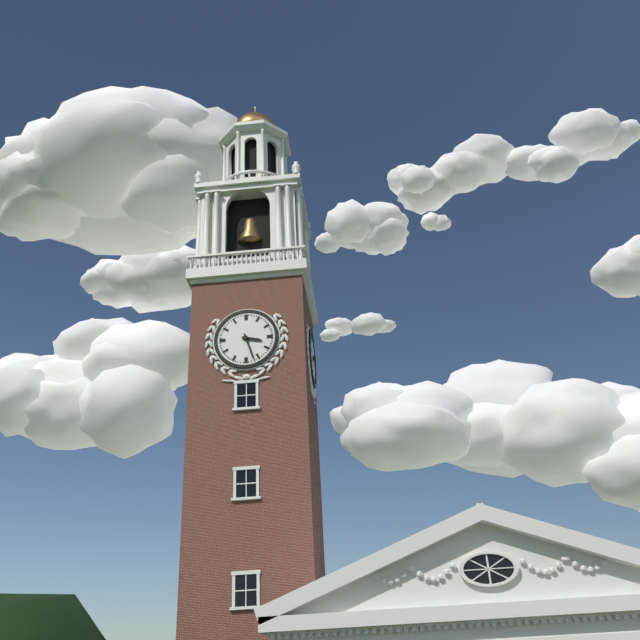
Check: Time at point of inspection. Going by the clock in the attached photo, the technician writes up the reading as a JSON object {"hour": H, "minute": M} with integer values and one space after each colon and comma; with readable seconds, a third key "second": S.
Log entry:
{"hour": 3, "minute": 27}
